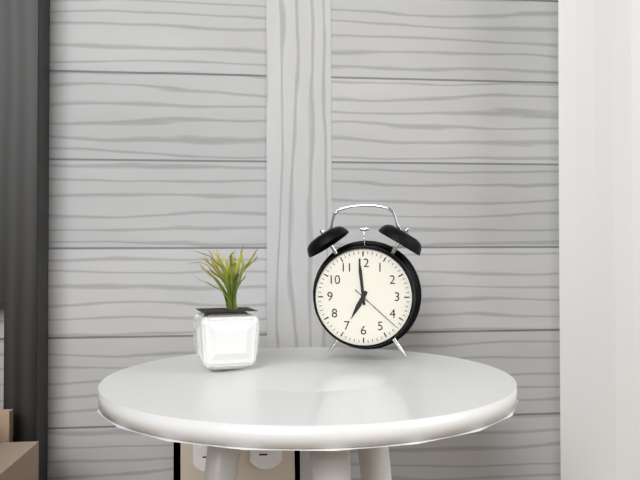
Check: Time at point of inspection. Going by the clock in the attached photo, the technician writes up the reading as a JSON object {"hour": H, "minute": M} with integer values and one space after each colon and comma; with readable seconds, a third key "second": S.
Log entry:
{"hour": 6, "minute": 59, "second": 22}
